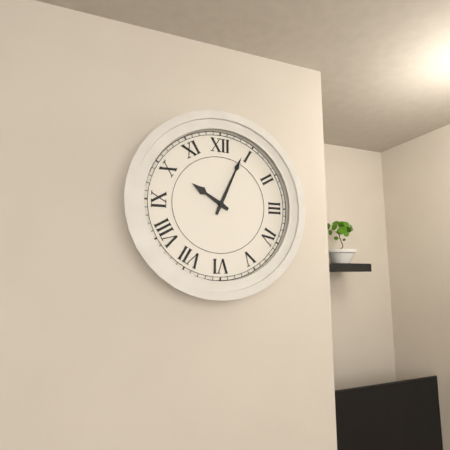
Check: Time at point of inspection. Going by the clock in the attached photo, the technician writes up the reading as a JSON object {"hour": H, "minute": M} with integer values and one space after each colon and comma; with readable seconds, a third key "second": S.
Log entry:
{"hour": 10, "minute": 4}
